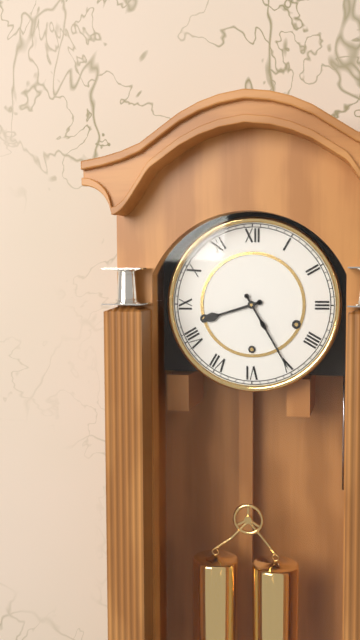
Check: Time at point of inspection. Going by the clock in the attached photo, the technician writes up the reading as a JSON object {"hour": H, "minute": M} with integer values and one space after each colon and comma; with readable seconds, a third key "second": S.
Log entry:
{"hour": 8, "minute": 25}
